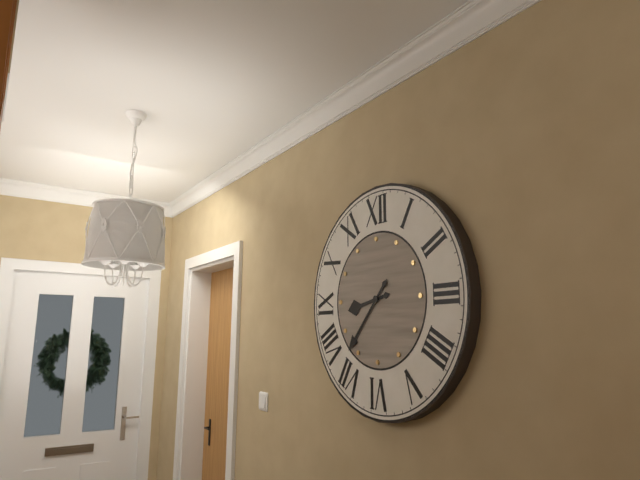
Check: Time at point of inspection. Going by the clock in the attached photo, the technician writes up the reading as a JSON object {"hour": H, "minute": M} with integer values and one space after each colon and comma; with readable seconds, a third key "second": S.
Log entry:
{"hour": 8, "minute": 37}
